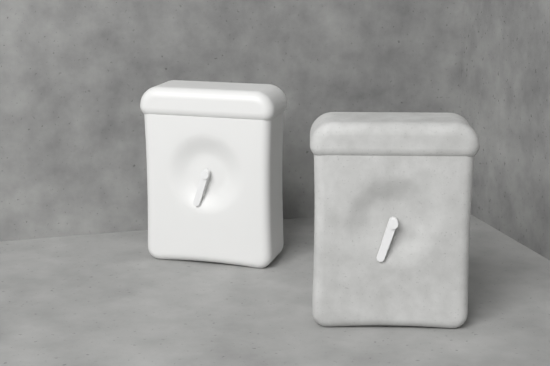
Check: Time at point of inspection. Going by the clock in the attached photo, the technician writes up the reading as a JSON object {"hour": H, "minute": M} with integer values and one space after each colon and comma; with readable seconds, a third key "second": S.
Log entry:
{"hour": 6, "minute": 33}
